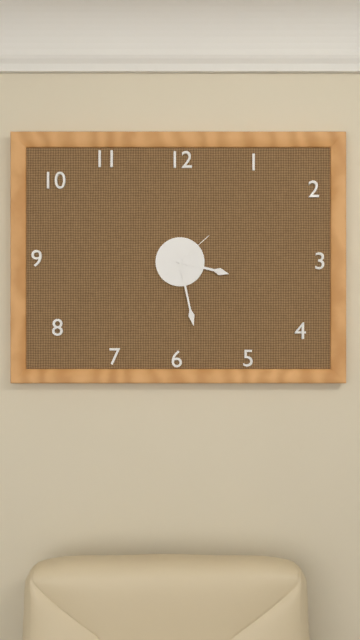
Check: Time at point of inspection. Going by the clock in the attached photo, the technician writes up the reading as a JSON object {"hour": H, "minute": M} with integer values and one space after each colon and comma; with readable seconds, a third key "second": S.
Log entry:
{"hour": 3, "minute": 28}
